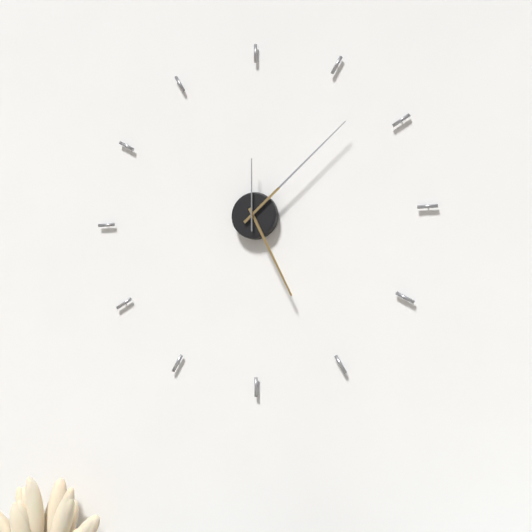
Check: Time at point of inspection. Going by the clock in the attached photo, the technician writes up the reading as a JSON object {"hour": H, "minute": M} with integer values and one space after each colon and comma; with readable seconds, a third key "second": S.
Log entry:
{"hour": 5, "minute": 8, "second": 0}
